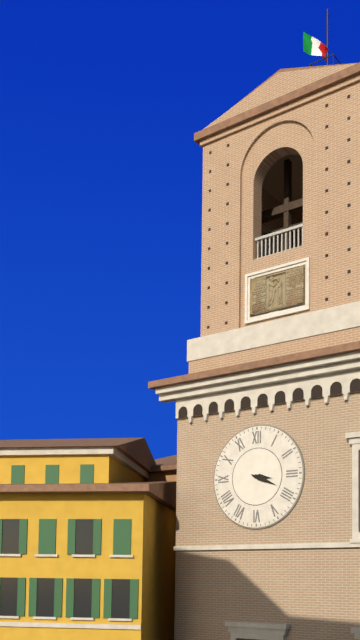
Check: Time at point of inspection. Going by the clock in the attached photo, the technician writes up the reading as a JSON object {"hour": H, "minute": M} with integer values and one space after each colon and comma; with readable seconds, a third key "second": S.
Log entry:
{"hour": 3, "minute": 19}
